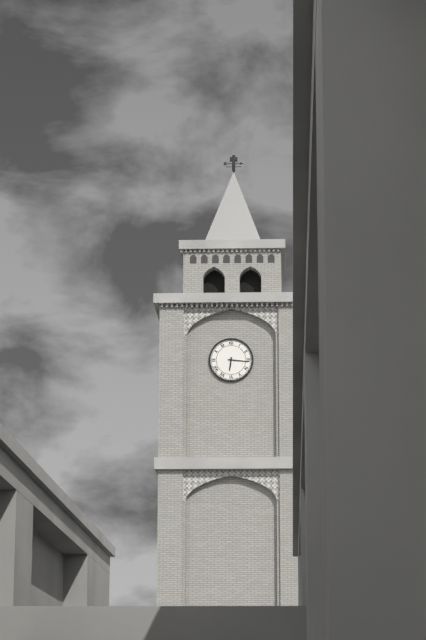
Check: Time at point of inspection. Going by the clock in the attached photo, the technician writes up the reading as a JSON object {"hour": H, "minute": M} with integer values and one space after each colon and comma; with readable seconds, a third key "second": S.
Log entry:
{"hour": 6, "minute": 16}
